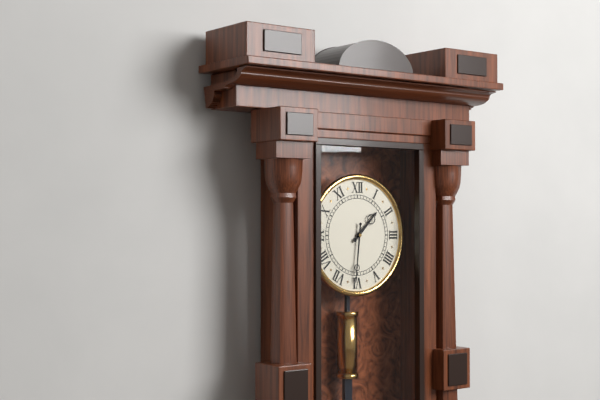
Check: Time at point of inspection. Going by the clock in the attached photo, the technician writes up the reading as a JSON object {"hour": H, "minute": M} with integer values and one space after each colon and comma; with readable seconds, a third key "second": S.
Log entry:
{"hour": 1, "minute": 31}
